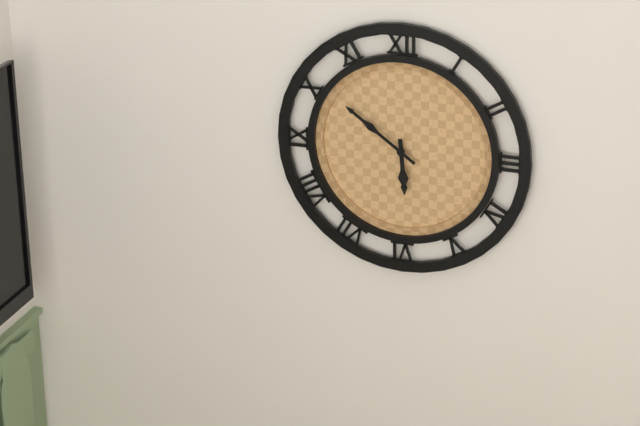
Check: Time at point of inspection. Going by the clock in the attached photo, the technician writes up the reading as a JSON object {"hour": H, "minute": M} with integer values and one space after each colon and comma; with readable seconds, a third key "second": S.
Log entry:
{"hour": 5, "minute": 51}
